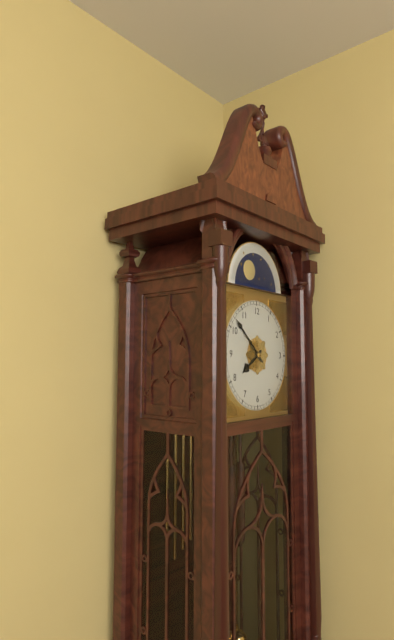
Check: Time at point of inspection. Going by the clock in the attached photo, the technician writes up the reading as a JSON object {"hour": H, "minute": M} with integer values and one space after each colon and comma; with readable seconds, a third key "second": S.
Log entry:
{"hour": 7, "minute": 52}
